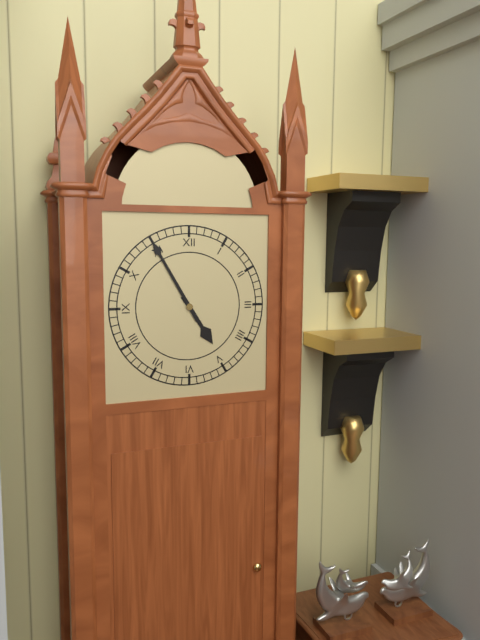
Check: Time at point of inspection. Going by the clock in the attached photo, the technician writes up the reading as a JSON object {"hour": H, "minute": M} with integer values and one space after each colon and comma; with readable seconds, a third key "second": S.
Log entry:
{"hour": 4, "minute": 55}
